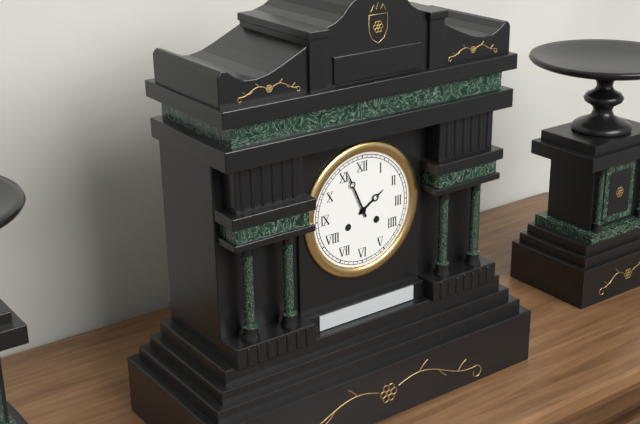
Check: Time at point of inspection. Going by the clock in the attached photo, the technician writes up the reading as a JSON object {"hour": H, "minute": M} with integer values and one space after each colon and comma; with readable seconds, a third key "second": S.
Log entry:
{"hour": 1, "minute": 56}
